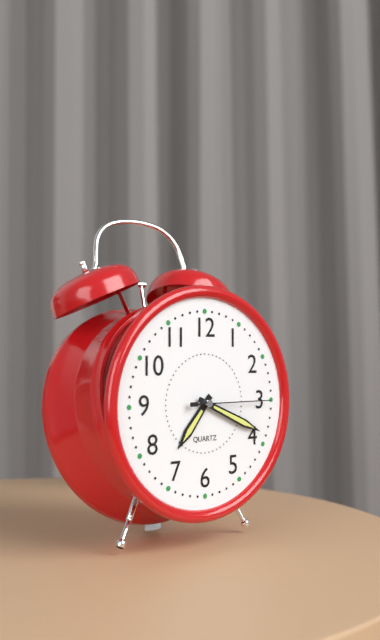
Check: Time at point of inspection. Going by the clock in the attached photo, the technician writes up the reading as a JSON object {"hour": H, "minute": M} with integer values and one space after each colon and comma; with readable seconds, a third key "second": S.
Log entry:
{"hour": 7, "minute": 19, "second": 15}
